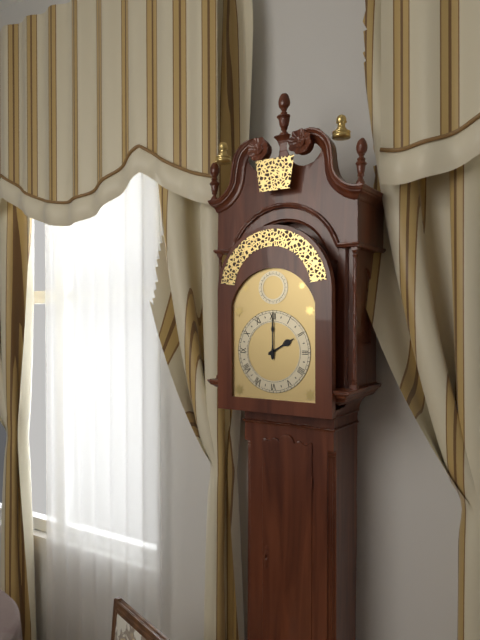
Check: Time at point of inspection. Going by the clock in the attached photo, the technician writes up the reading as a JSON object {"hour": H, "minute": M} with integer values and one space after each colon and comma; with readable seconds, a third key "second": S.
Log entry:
{"hour": 2, "minute": 0}
